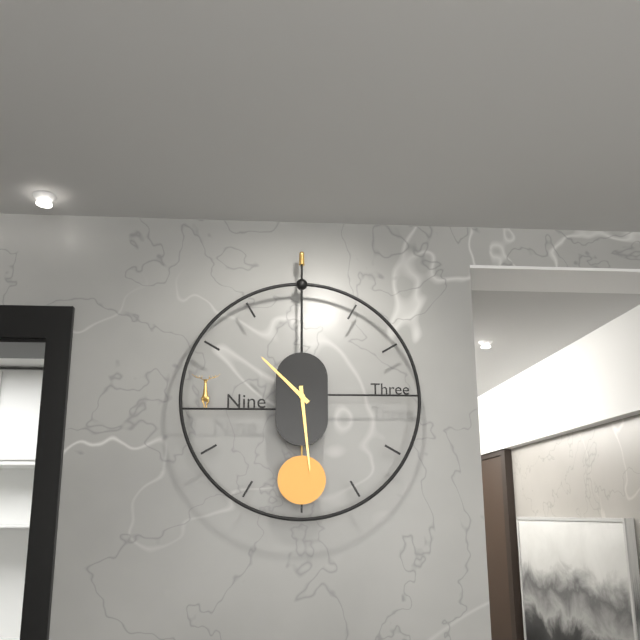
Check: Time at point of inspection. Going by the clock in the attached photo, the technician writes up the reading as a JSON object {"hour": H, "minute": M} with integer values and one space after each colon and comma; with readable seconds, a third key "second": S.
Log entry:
{"hour": 10, "minute": 29}
